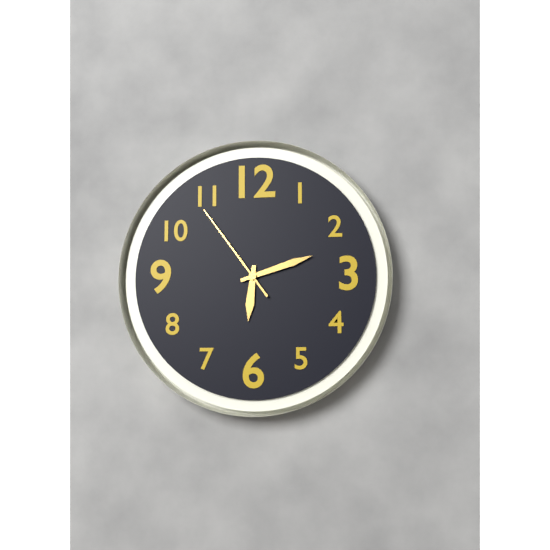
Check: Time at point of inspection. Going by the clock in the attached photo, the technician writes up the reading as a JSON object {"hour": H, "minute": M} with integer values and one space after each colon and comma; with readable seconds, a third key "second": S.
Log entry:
{"hour": 6, "minute": 12, "second": 54}
